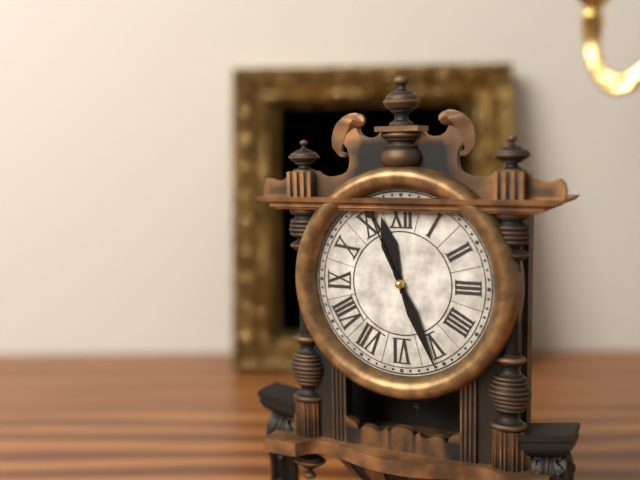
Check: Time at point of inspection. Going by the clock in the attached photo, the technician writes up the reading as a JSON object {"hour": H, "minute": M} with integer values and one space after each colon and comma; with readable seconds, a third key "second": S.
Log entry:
{"hour": 11, "minute": 26, "second": 56}
